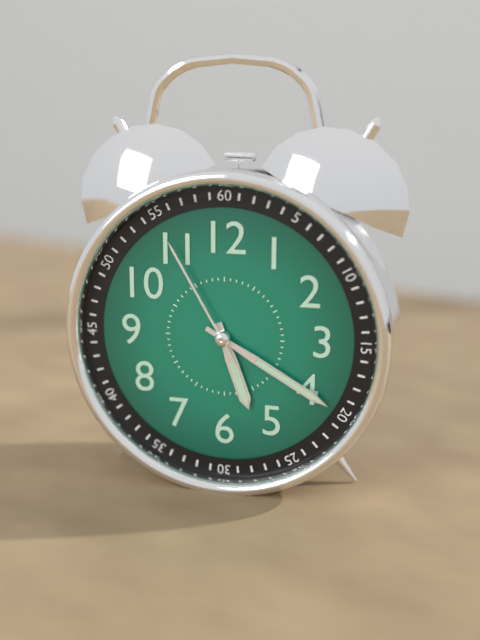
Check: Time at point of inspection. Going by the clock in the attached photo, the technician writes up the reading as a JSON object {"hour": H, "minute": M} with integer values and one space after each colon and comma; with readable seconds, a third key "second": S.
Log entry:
{"hour": 5, "minute": 20, "second": 55}
